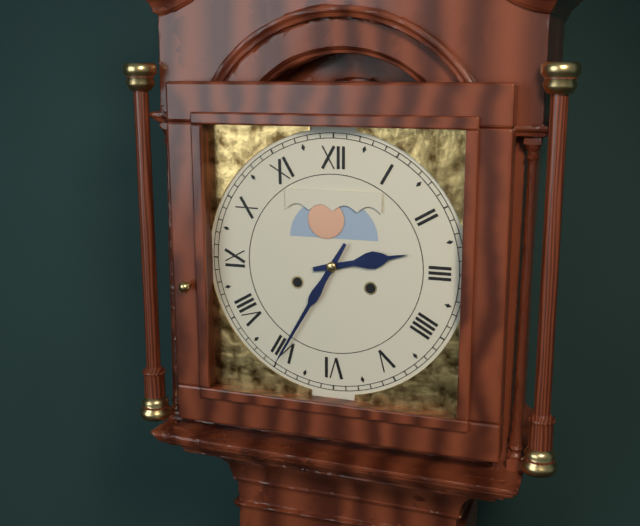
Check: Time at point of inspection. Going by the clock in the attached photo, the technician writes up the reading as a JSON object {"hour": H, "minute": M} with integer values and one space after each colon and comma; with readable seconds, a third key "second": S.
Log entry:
{"hour": 2, "minute": 35}
